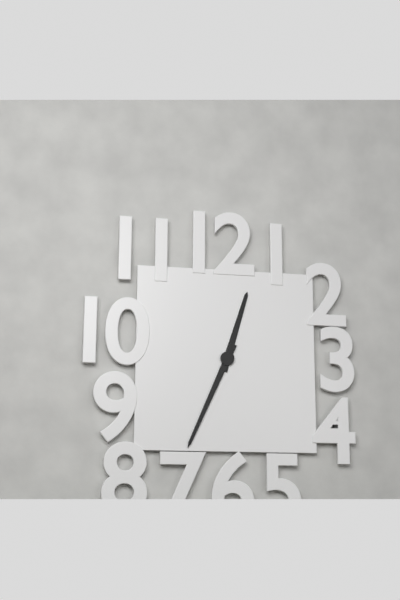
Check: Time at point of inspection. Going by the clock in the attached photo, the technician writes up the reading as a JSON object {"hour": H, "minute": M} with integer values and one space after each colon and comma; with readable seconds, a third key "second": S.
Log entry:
{"hour": 12, "minute": 34}
